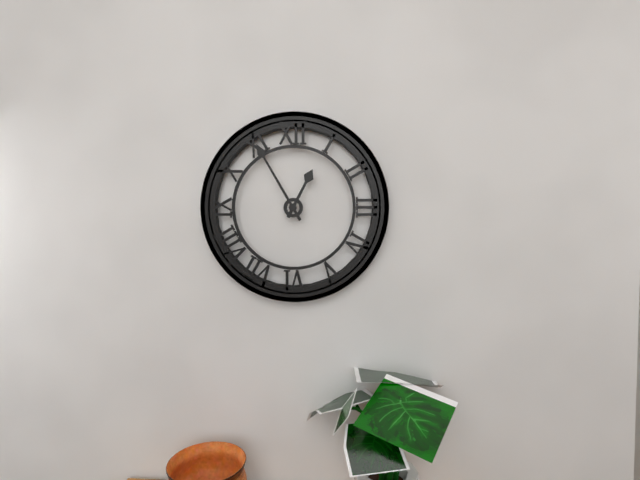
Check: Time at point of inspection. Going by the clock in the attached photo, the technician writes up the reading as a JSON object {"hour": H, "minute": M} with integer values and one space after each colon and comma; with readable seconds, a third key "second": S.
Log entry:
{"hour": 12, "minute": 55}
